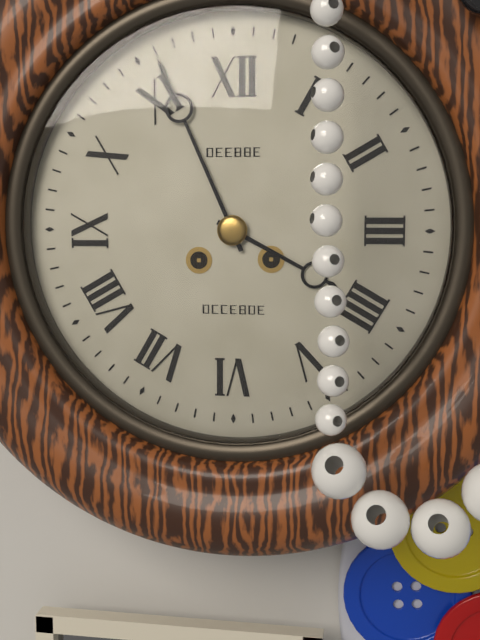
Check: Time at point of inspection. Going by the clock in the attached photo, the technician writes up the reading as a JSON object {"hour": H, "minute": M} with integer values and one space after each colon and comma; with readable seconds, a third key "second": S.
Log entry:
{"hour": 3, "minute": 56}
